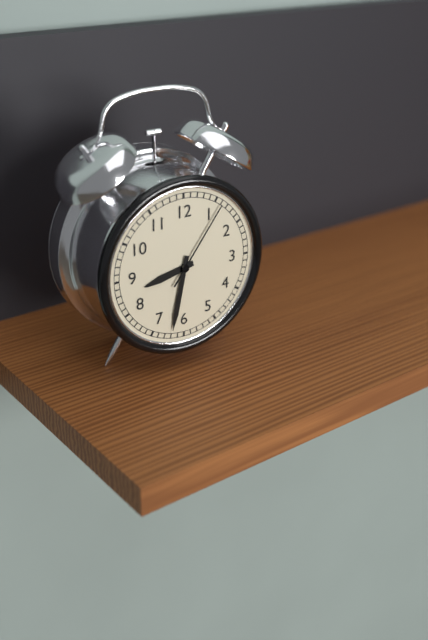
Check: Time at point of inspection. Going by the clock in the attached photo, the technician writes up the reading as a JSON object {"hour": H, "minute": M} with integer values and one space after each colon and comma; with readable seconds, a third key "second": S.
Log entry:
{"hour": 8, "minute": 32, "second": 6}
